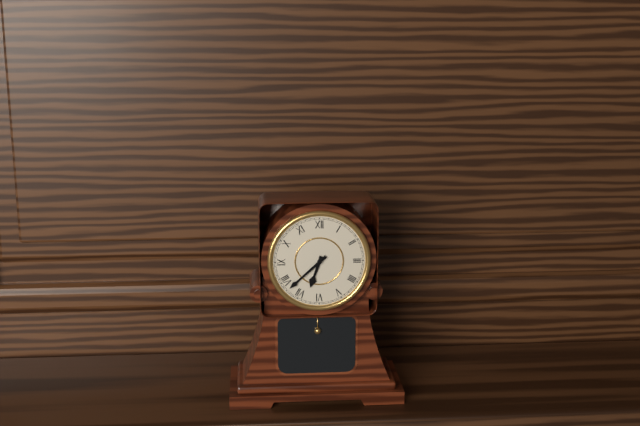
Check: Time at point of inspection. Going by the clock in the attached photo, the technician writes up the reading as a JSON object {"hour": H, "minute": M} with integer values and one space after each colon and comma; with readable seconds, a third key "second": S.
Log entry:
{"hour": 6, "minute": 38}
